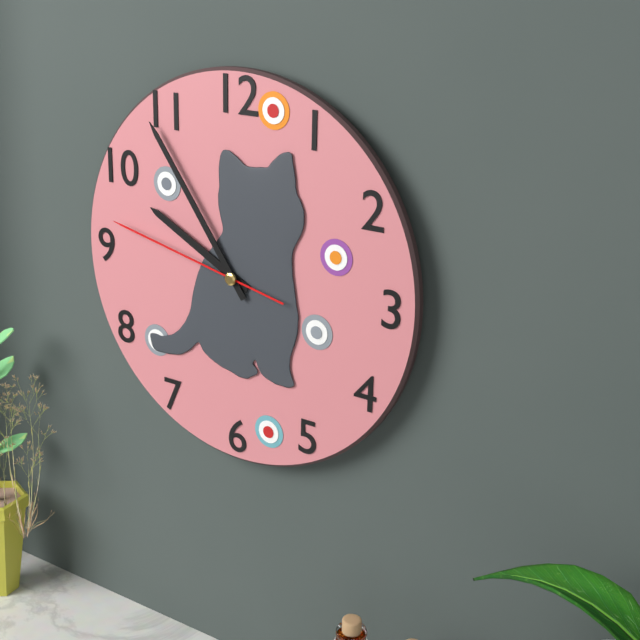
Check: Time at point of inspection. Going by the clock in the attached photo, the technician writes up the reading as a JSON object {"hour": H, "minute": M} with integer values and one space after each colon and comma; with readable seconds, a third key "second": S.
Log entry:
{"hour": 9, "minute": 54, "second": 47}
